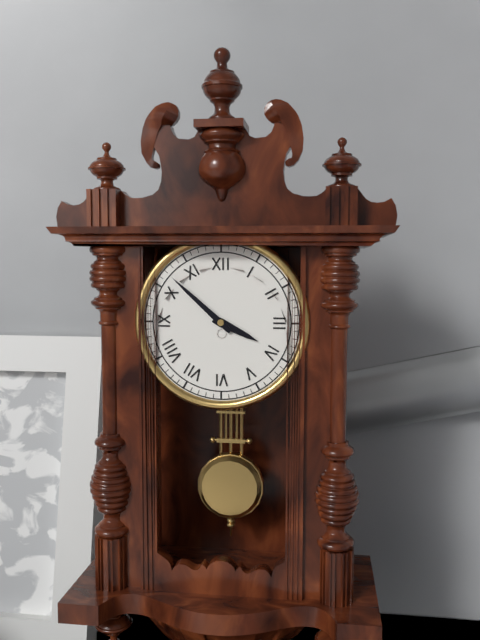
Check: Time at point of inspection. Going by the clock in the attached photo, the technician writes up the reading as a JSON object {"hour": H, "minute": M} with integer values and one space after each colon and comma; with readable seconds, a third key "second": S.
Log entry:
{"hour": 3, "minute": 52}
